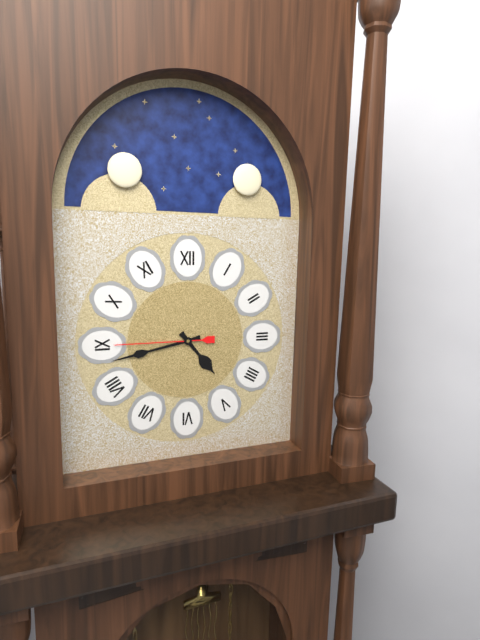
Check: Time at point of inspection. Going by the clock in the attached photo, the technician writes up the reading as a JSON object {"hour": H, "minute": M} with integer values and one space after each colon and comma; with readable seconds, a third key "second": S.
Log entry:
{"hour": 4, "minute": 43, "second": 45}
